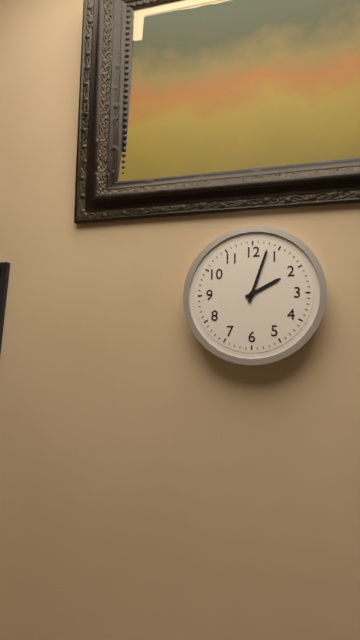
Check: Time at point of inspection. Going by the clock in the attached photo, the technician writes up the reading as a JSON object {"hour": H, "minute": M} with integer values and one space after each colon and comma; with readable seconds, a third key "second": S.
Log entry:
{"hour": 2, "minute": 3}
